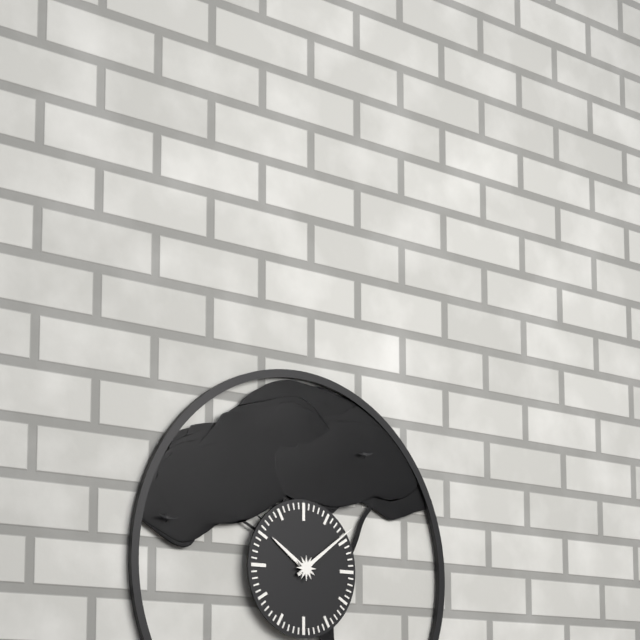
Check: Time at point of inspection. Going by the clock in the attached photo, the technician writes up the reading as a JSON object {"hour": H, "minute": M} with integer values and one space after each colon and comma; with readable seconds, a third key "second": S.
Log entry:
{"hour": 10, "minute": 9}
